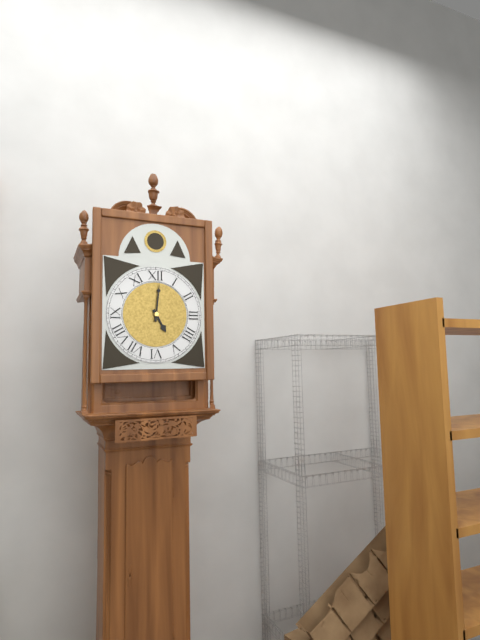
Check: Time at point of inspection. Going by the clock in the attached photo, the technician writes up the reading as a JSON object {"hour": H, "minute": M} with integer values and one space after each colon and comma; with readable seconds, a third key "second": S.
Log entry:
{"hour": 5, "minute": 1}
